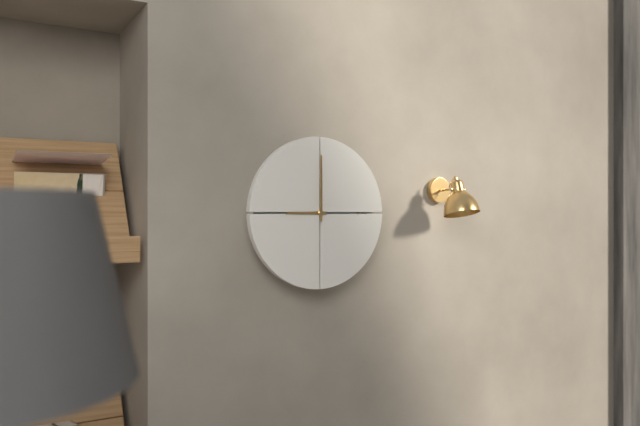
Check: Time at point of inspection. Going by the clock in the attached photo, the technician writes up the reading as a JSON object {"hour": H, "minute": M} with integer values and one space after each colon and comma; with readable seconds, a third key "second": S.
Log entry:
{"hour": 9, "minute": 0}
